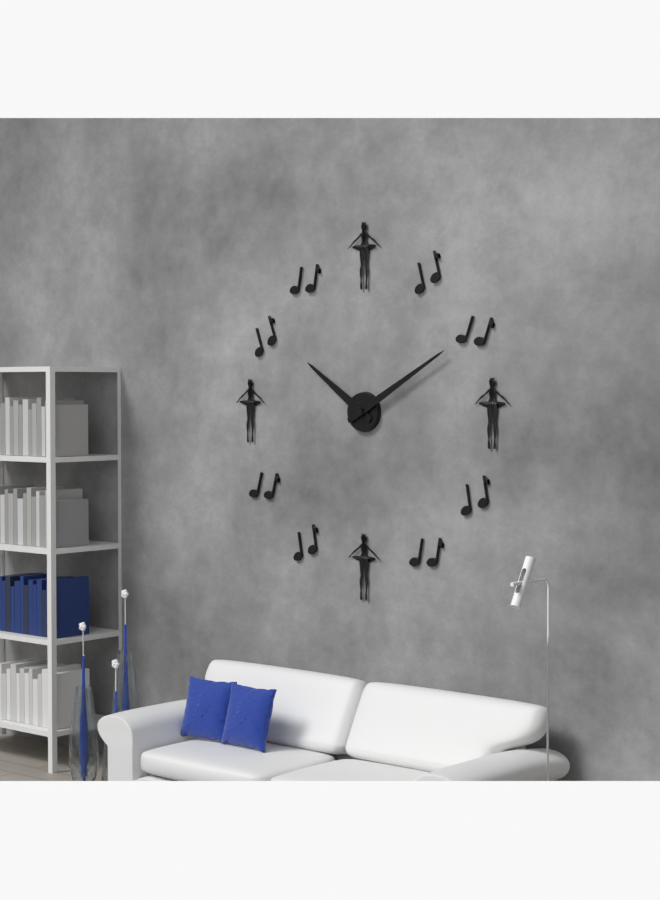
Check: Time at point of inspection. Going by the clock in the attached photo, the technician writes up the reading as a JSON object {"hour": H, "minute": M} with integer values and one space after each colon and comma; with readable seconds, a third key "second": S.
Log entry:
{"hour": 10, "minute": 10}
